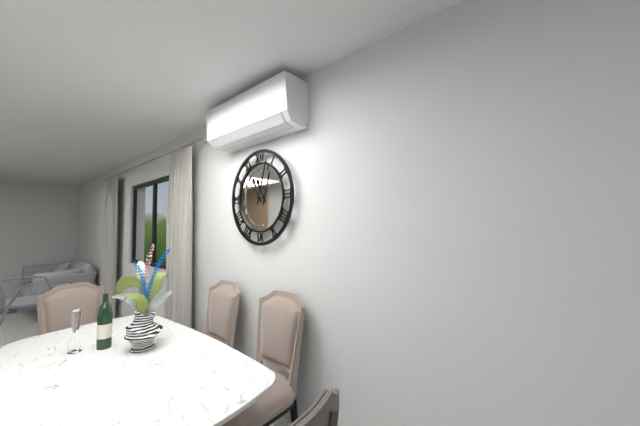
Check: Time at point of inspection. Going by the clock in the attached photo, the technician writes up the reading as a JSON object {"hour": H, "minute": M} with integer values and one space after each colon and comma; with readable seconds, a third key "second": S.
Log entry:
{"hour": 11, "minute": 3}
